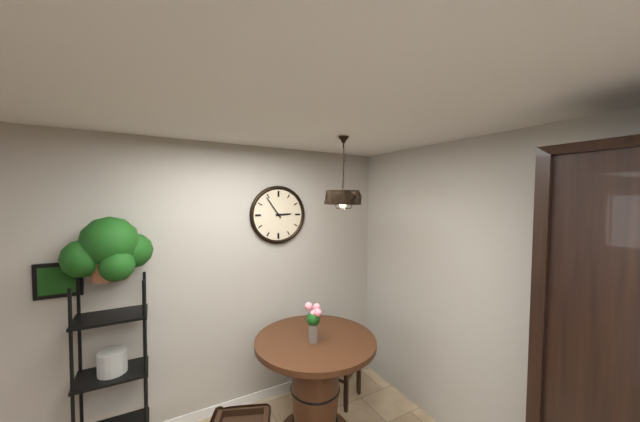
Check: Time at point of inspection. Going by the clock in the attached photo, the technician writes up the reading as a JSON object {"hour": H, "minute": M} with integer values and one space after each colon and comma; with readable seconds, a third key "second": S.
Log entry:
{"hour": 2, "minute": 54}
